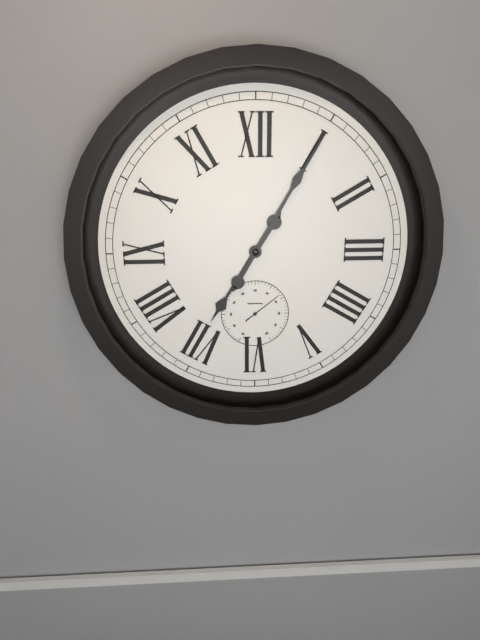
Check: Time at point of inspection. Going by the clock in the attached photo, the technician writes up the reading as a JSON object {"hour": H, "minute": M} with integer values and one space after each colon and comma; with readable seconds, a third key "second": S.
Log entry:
{"hour": 7, "minute": 5}
